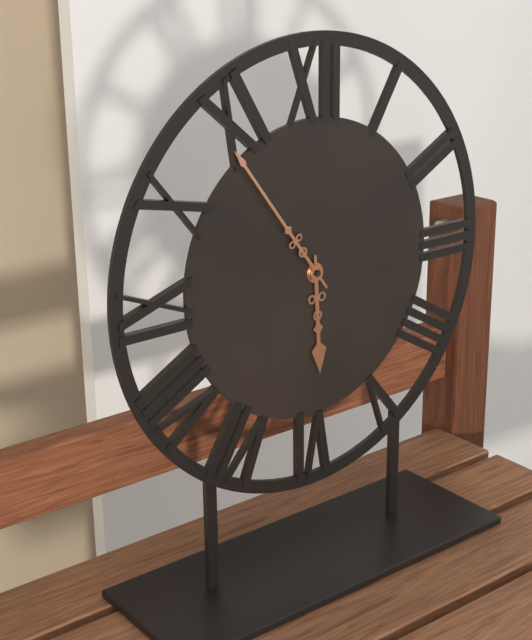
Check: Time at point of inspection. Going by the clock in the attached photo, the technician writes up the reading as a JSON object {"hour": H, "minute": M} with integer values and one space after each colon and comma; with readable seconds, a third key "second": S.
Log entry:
{"hour": 5, "minute": 54}
